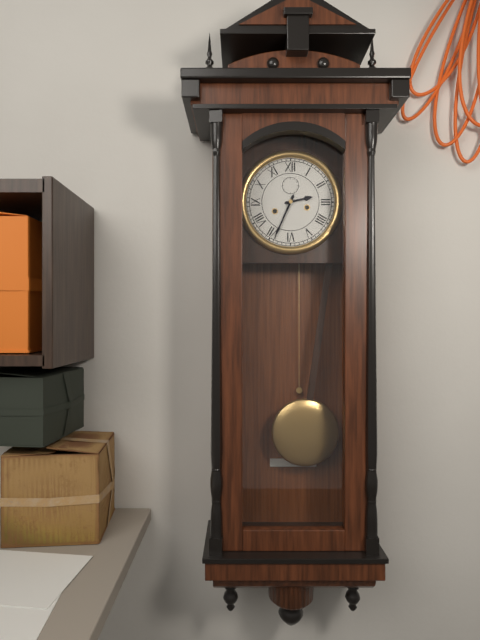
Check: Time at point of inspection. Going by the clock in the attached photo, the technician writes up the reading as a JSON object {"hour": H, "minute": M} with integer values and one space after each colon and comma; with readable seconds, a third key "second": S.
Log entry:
{"hour": 2, "minute": 34}
